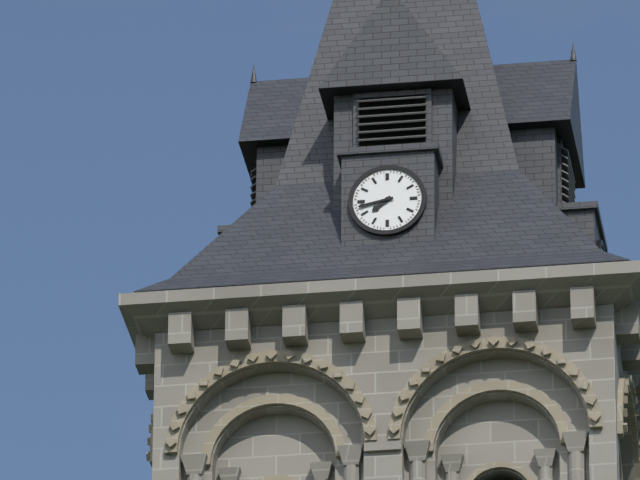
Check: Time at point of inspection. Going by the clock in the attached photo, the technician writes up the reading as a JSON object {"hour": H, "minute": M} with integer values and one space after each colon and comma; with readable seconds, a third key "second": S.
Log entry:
{"hour": 7, "minute": 43}
